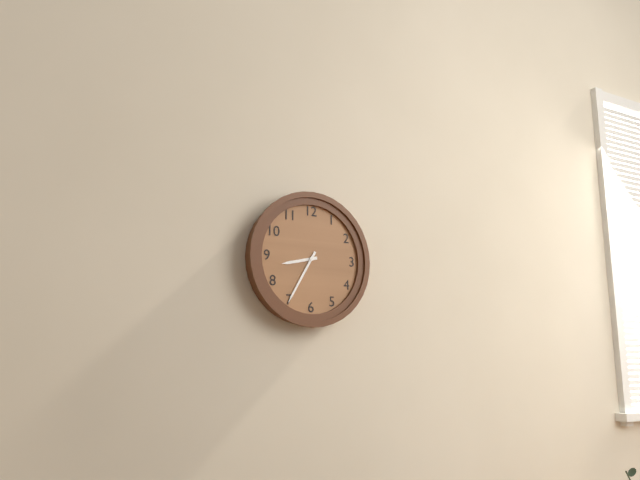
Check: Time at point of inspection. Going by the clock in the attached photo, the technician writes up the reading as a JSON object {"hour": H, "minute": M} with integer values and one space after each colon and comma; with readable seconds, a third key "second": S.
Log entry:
{"hour": 8, "minute": 35}
